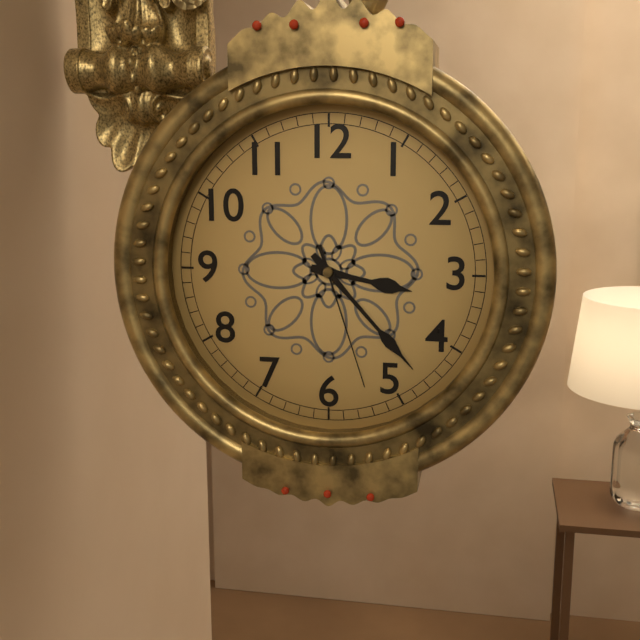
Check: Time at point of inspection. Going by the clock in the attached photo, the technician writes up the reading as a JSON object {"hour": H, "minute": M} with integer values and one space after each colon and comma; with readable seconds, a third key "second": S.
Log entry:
{"hour": 3, "minute": 23, "second": 27}
